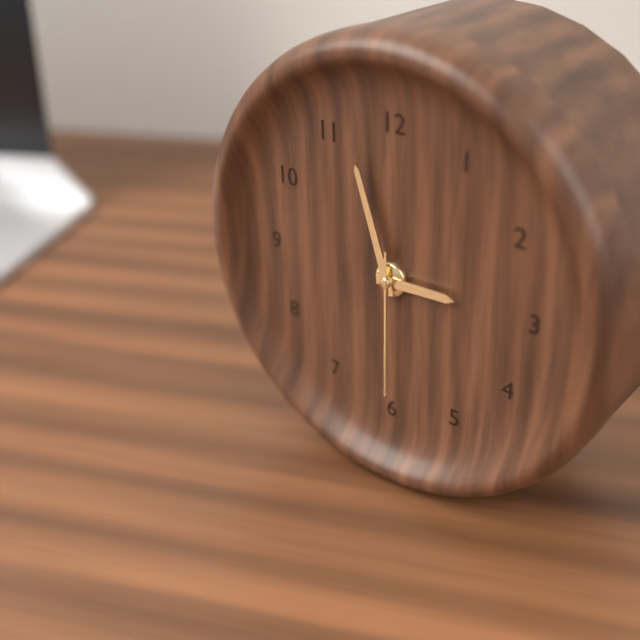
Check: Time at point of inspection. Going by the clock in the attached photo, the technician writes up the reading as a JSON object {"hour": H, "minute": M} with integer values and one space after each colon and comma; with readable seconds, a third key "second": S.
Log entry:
{"hour": 2, "minute": 57, "second": 30}
